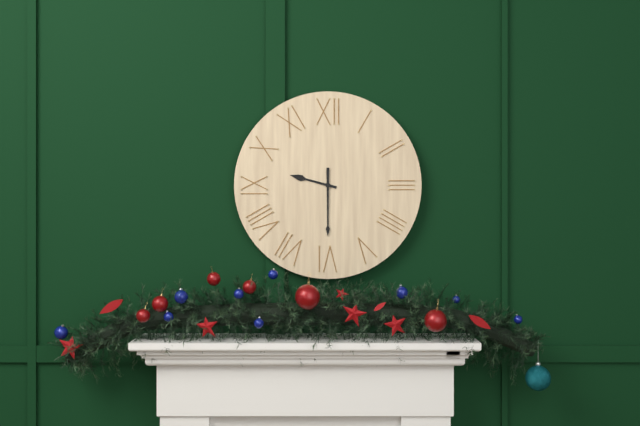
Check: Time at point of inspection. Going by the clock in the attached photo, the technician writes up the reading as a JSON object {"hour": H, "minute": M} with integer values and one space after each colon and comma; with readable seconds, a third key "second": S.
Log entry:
{"hour": 9, "minute": 30}
